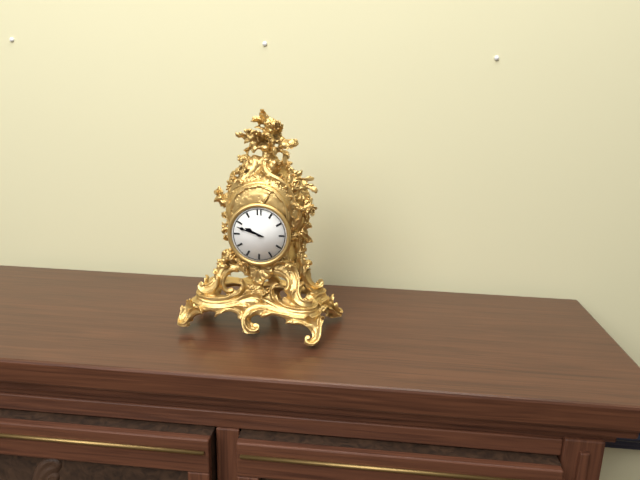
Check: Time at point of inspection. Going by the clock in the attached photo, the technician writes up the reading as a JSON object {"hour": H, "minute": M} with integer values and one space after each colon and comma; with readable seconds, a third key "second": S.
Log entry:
{"hour": 9, "minute": 48}
